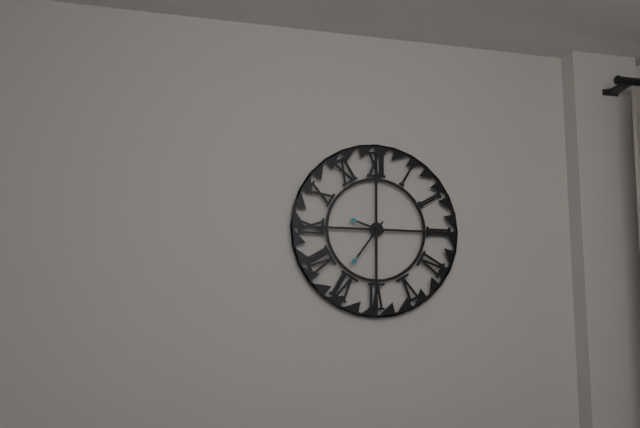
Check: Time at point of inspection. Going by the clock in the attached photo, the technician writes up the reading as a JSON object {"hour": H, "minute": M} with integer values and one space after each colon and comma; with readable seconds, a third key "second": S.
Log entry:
{"hour": 9, "minute": 36}
